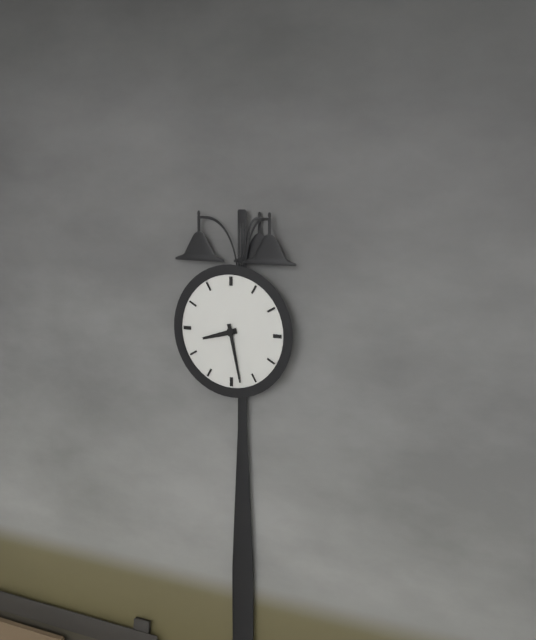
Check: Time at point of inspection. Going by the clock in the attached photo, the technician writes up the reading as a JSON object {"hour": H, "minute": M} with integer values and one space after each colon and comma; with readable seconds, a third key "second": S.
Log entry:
{"hour": 8, "minute": 28}
